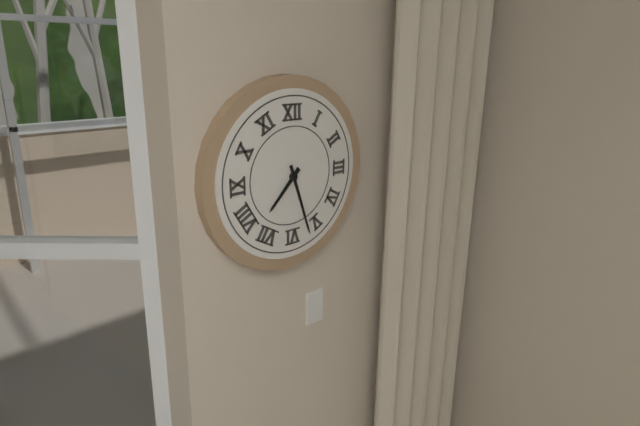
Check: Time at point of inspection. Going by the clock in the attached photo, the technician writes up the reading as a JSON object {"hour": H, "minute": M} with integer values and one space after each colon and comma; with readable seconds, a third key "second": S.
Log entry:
{"hour": 7, "minute": 27}
